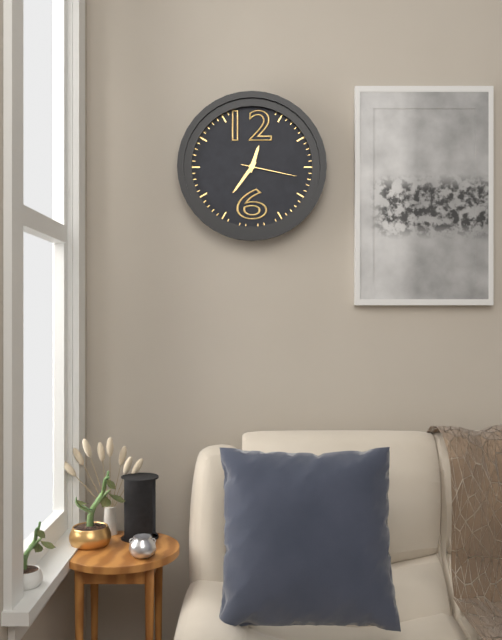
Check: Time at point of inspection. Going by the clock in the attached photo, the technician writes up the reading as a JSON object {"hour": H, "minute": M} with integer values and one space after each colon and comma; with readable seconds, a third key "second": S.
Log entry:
{"hour": 12, "minute": 36, "second": 17}
